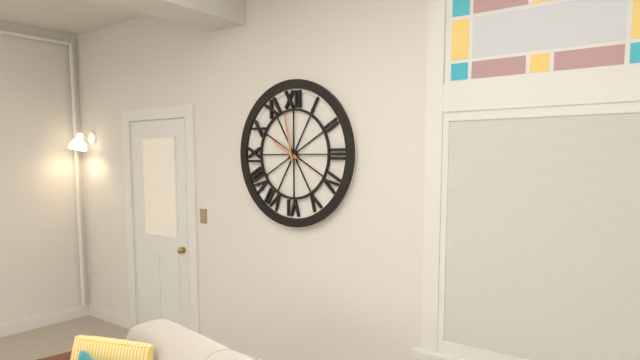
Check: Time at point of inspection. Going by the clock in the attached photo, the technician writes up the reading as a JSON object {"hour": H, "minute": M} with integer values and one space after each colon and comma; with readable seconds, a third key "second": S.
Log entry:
{"hour": 9, "minute": 58}
